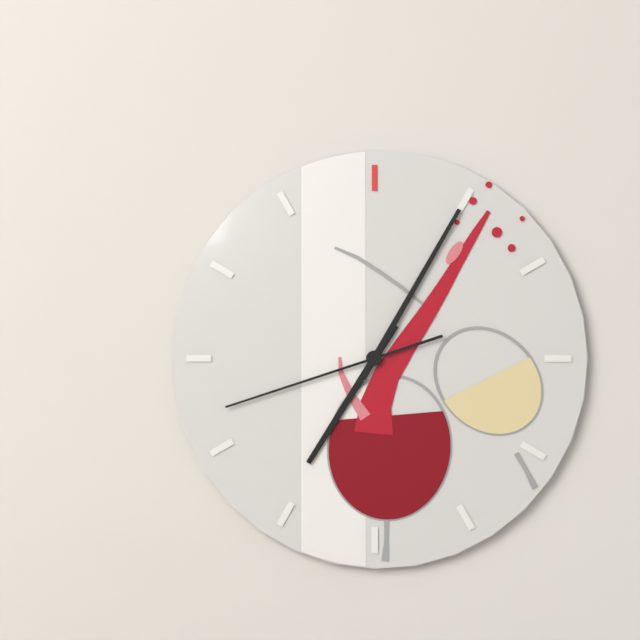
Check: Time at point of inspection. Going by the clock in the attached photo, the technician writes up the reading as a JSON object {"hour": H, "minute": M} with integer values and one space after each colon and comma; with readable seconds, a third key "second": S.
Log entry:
{"hour": 7, "minute": 5, "second": 42}
